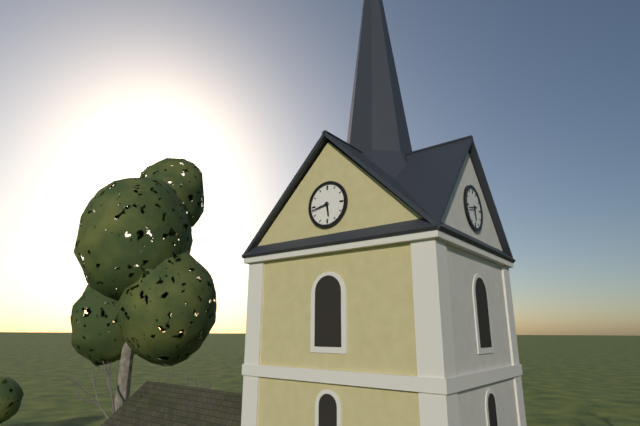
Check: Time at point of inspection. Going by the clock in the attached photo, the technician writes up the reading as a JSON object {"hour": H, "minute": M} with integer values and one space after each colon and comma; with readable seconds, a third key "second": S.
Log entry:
{"hour": 5, "minute": 43}
